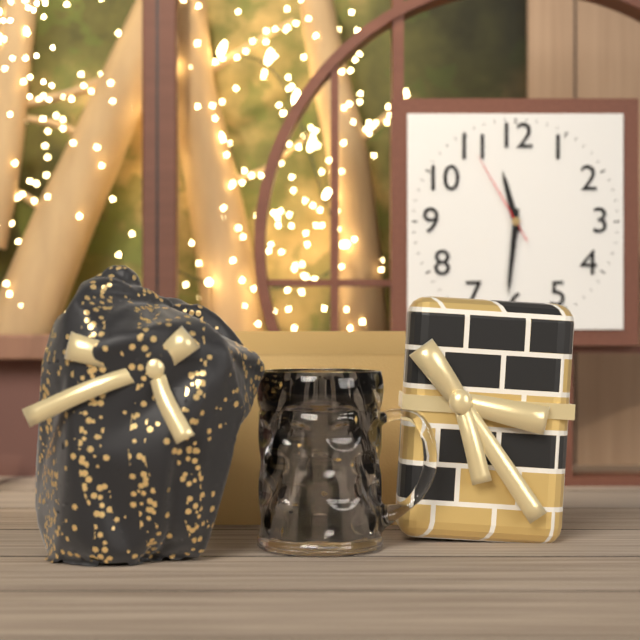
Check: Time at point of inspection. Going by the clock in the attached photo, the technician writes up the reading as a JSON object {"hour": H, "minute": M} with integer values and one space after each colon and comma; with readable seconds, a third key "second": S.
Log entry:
{"hour": 11, "minute": 31, "second": 55}
